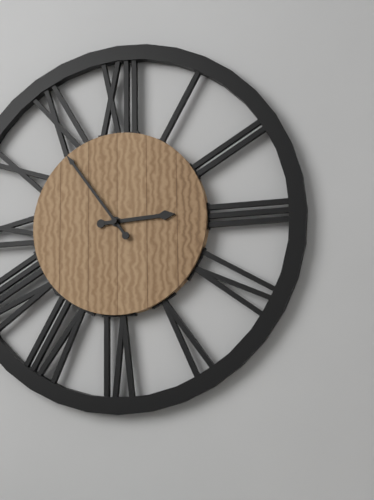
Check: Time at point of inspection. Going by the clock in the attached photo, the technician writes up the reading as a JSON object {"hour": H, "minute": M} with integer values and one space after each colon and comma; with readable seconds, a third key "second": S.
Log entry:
{"hour": 2, "minute": 54}
